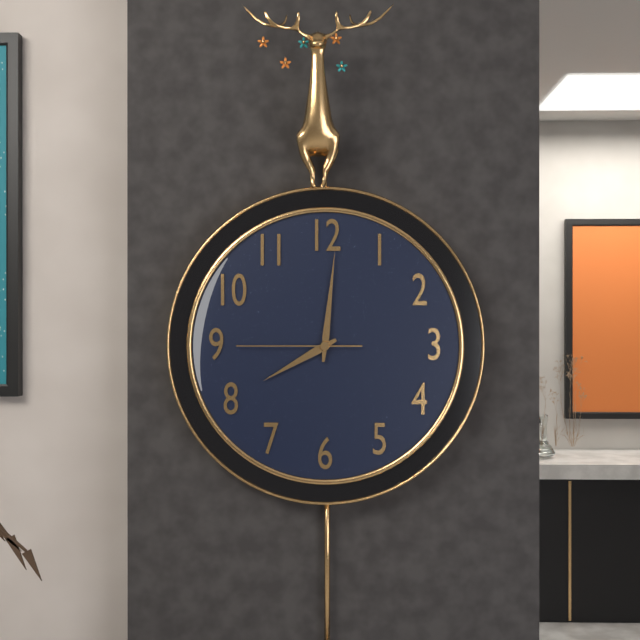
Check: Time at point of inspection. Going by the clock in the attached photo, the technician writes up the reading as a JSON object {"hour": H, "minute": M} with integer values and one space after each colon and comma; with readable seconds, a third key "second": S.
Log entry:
{"hour": 8, "minute": 1, "second": 45}
